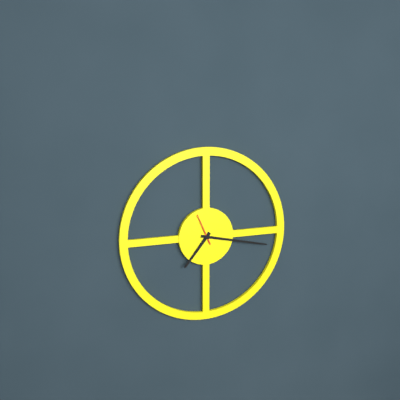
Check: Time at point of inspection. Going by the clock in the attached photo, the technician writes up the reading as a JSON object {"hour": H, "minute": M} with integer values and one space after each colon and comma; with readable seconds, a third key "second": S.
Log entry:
{"hour": 7, "minute": 17}
